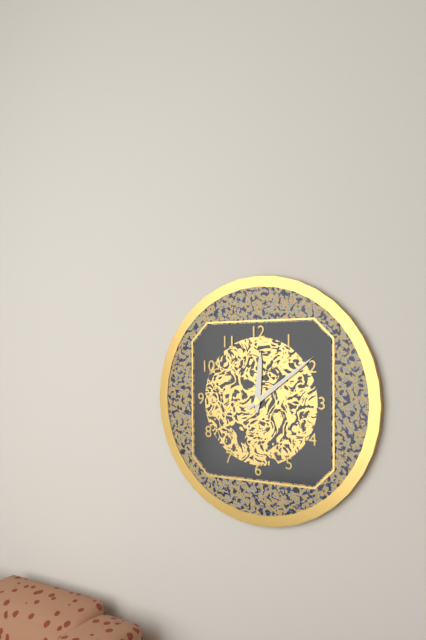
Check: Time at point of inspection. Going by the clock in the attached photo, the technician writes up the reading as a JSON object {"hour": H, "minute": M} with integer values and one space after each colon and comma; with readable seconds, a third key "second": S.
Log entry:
{"hour": 12, "minute": 9}
